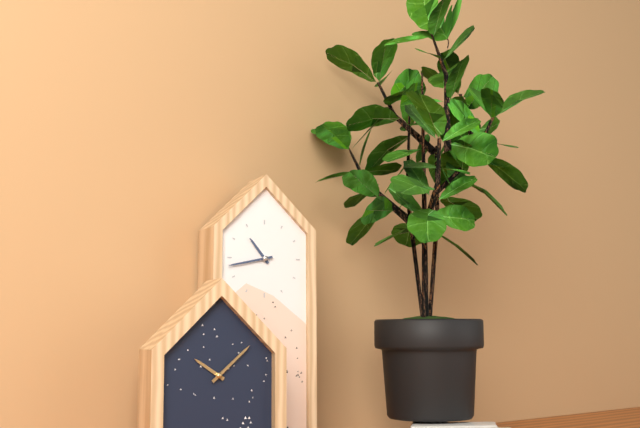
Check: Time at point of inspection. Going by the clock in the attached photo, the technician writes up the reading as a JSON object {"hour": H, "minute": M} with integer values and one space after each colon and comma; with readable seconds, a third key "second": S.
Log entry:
{"hour": 10, "minute": 43}
